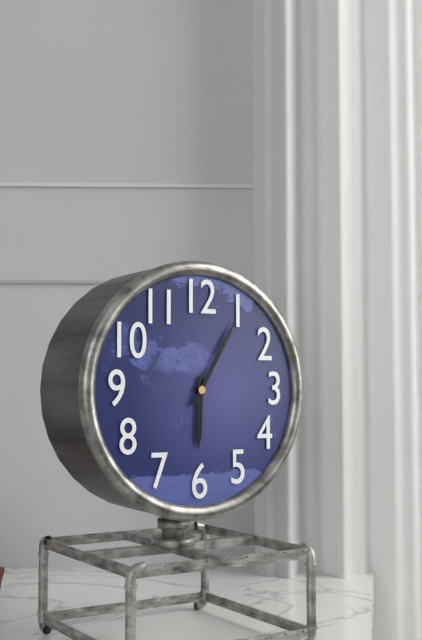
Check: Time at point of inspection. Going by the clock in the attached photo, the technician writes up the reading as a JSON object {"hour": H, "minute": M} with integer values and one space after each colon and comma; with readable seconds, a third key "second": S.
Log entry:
{"hour": 6, "minute": 5}
